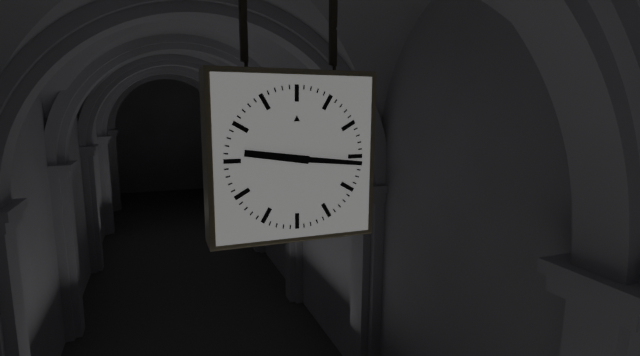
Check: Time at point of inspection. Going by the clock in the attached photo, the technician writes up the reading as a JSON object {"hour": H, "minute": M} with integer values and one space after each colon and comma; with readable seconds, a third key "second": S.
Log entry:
{"hour": 9, "minute": 16}
